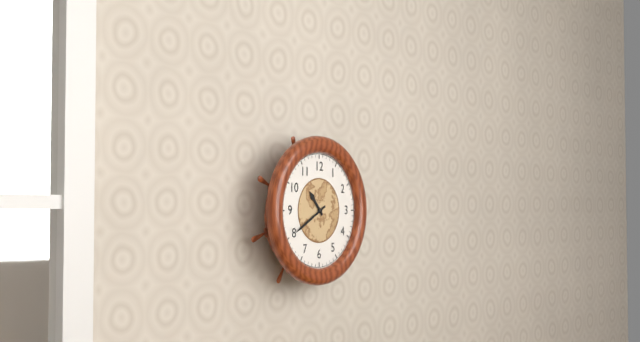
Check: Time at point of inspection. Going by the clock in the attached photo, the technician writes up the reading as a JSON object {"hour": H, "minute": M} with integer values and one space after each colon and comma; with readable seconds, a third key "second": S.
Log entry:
{"hour": 10, "minute": 40}
